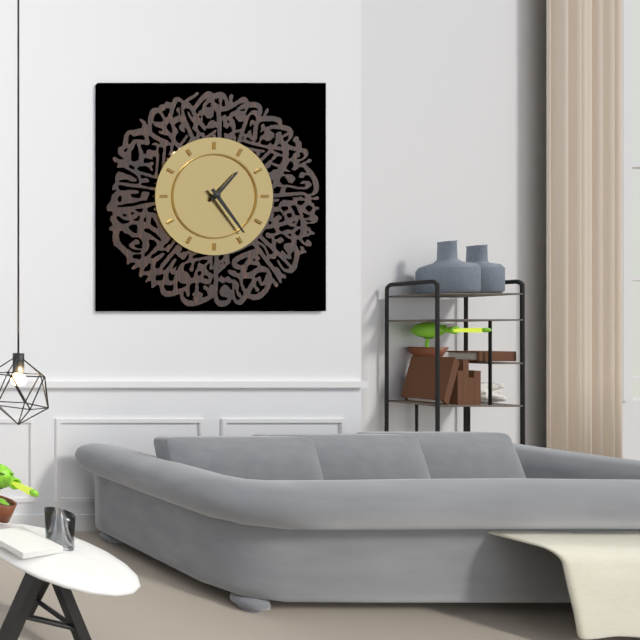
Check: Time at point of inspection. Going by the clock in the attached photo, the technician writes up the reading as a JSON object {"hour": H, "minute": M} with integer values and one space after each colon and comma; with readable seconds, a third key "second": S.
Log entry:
{"hour": 1, "minute": 24}
